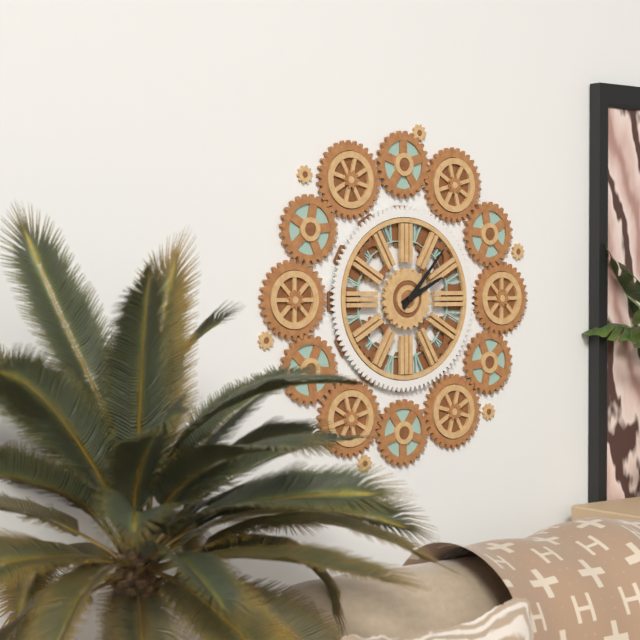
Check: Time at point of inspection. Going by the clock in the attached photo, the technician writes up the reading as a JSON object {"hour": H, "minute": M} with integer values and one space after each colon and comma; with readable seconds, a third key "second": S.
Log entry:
{"hour": 2, "minute": 7}
